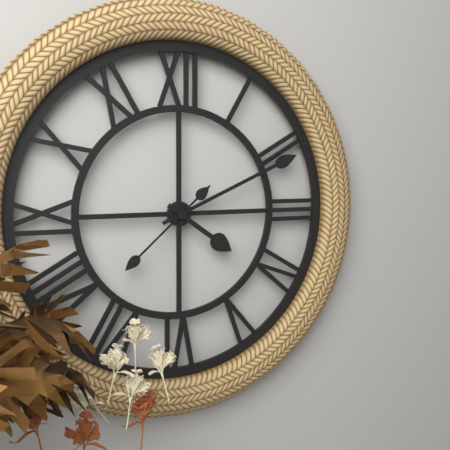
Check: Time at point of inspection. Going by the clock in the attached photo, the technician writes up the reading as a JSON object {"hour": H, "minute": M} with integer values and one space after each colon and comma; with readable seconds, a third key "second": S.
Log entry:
{"hour": 4, "minute": 11, "second": 38}
